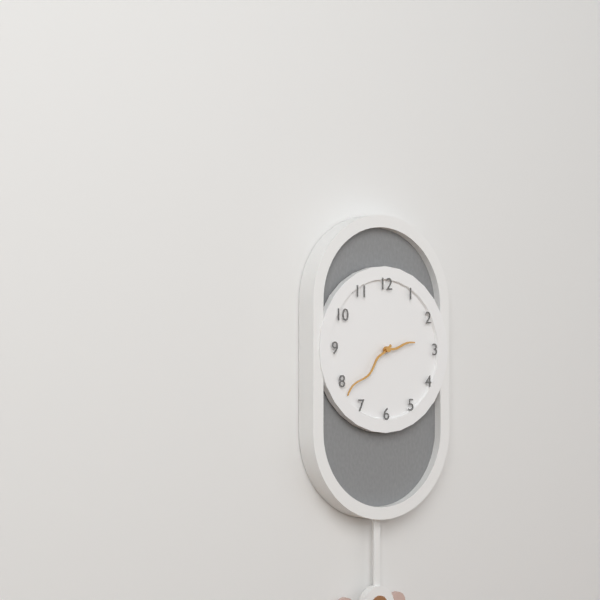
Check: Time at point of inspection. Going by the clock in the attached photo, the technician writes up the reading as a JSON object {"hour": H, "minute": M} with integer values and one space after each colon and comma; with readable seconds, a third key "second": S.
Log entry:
{"hour": 2, "minute": 38}
